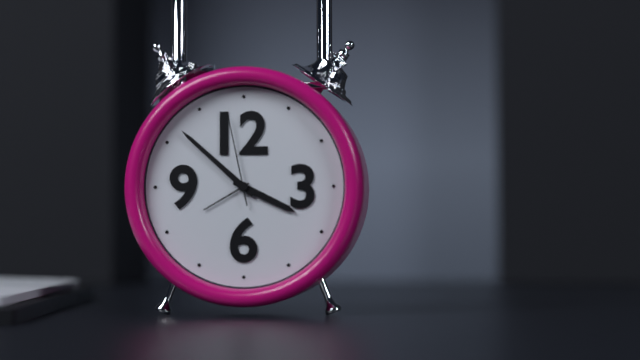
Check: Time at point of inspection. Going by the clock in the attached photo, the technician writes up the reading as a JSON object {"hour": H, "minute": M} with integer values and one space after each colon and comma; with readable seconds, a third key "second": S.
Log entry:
{"hour": 3, "minute": 52, "second": 58}
